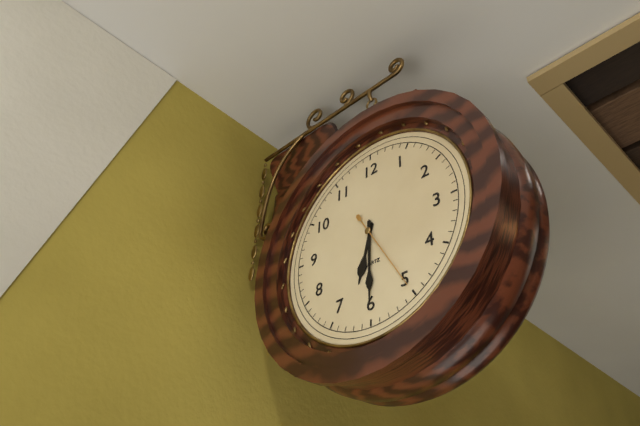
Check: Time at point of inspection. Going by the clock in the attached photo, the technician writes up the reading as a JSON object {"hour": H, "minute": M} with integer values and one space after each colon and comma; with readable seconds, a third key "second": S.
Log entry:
{"hour": 6, "minute": 30, "second": 25}
